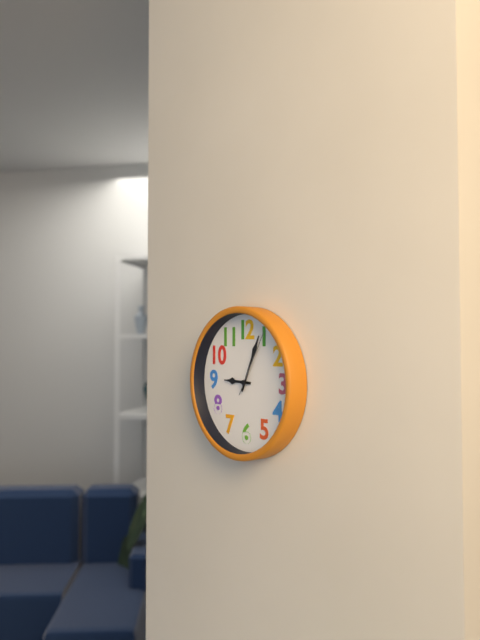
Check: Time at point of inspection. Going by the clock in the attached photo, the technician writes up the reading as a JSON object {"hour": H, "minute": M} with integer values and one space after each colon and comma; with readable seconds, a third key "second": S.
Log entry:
{"hour": 9, "minute": 4, "second": 5}
